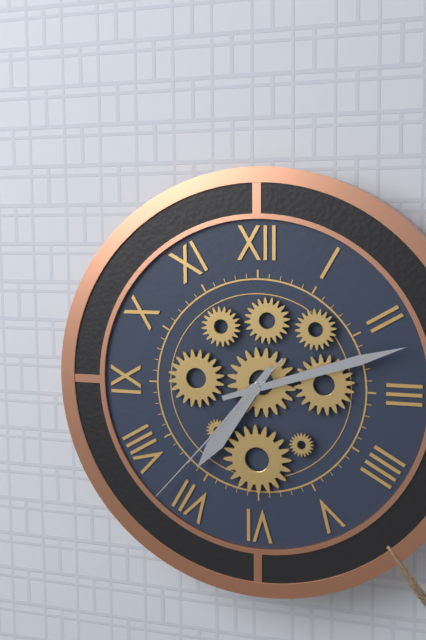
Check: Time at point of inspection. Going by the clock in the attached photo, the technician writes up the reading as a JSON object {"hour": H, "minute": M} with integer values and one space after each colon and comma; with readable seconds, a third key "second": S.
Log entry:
{"hour": 7, "minute": 12, "second": 37}
